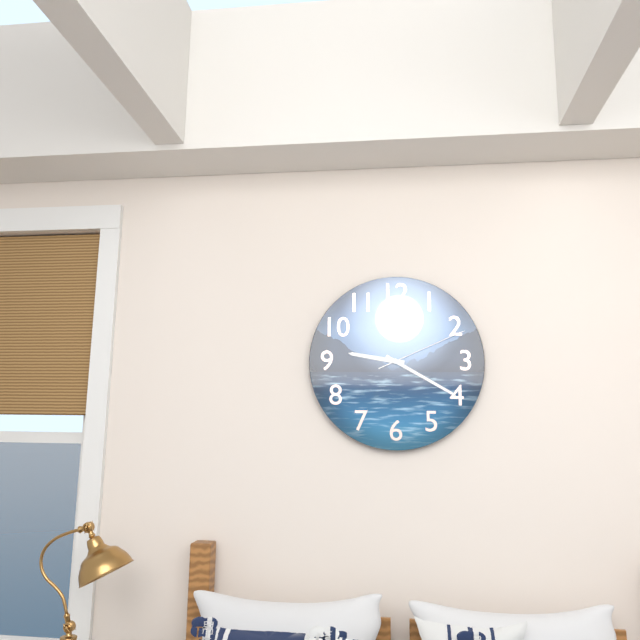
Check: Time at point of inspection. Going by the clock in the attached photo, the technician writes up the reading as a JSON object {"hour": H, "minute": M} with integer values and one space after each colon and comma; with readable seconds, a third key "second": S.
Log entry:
{"hour": 9, "minute": 20, "second": 11}
